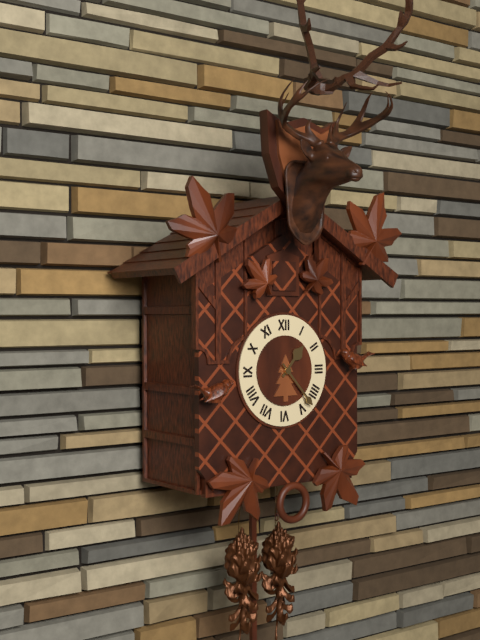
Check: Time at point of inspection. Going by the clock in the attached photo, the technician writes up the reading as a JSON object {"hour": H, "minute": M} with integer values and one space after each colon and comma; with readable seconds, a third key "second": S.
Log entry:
{"hour": 1, "minute": 23}
